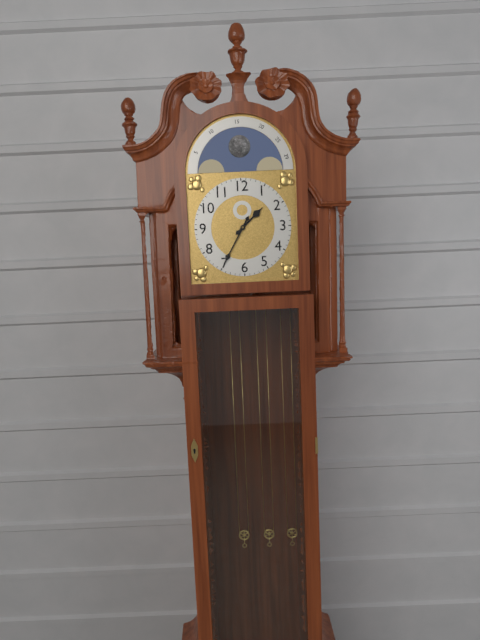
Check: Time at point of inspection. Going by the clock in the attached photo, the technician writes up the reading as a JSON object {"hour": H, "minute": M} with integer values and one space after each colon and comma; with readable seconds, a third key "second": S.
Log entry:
{"hour": 1, "minute": 35}
